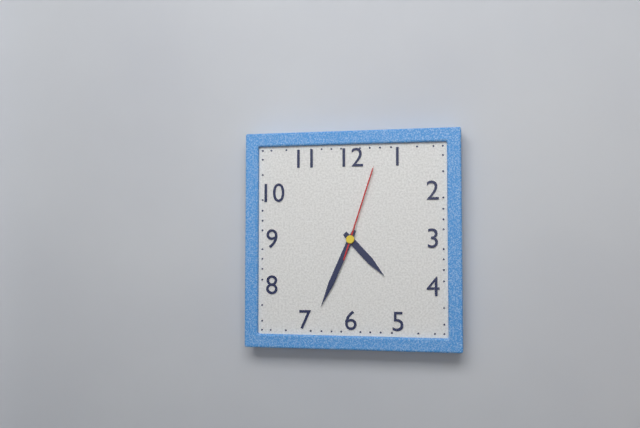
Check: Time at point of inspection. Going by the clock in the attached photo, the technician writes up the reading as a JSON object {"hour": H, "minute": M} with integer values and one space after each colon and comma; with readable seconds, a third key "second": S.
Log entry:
{"hour": 4, "minute": 34, "second": 3}
